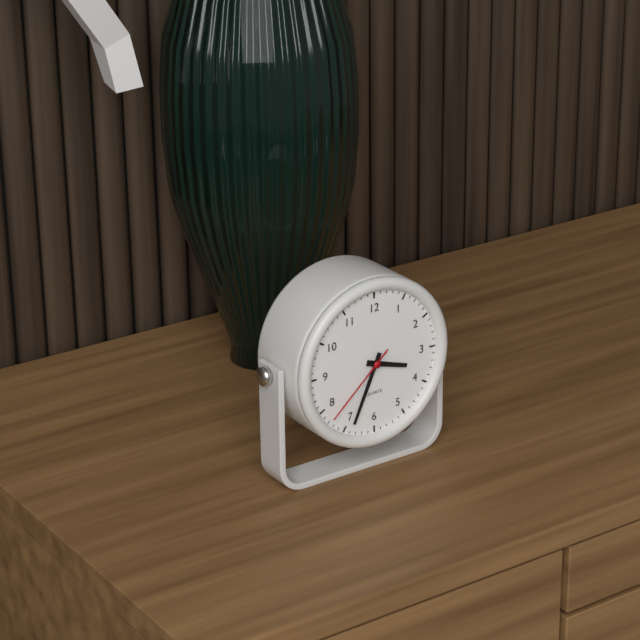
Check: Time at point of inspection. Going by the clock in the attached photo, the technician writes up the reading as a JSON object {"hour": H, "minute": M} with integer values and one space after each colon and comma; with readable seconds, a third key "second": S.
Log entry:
{"hour": 3, "minute": 34, "second": 38}
